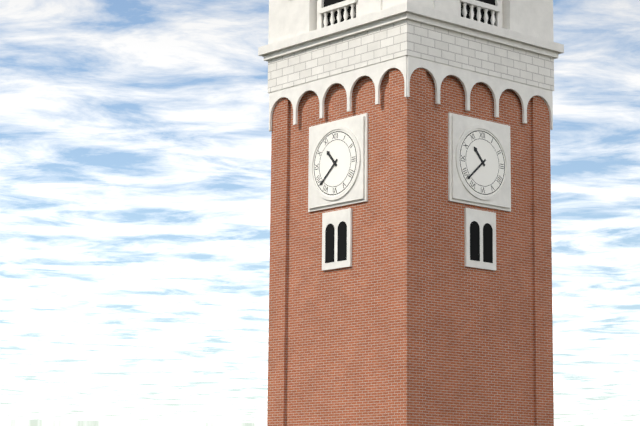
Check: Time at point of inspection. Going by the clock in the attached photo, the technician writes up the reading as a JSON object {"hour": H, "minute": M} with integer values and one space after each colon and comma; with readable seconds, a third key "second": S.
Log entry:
{"hour": 10, "minute": 38}
